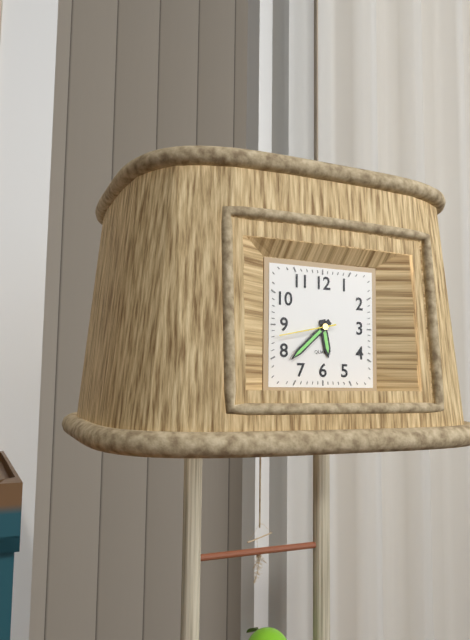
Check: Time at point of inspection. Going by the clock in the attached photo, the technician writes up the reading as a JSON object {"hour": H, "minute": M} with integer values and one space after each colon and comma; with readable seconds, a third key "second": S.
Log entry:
{"hour": 5, "minute": 38, "second": 43}
